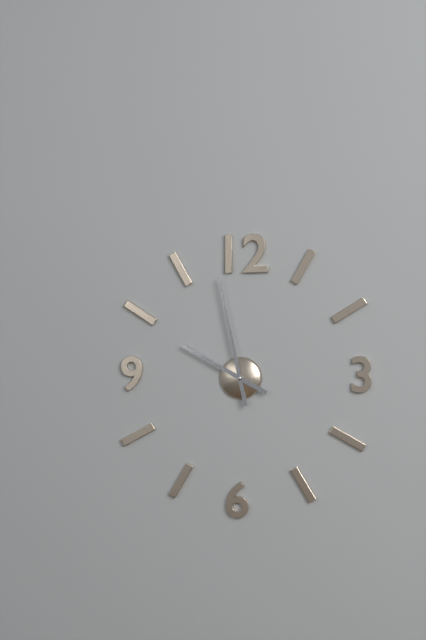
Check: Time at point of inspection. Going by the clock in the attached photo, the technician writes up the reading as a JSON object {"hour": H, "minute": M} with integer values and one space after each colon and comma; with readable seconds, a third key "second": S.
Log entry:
{"hour": 9, "minute": 58}
